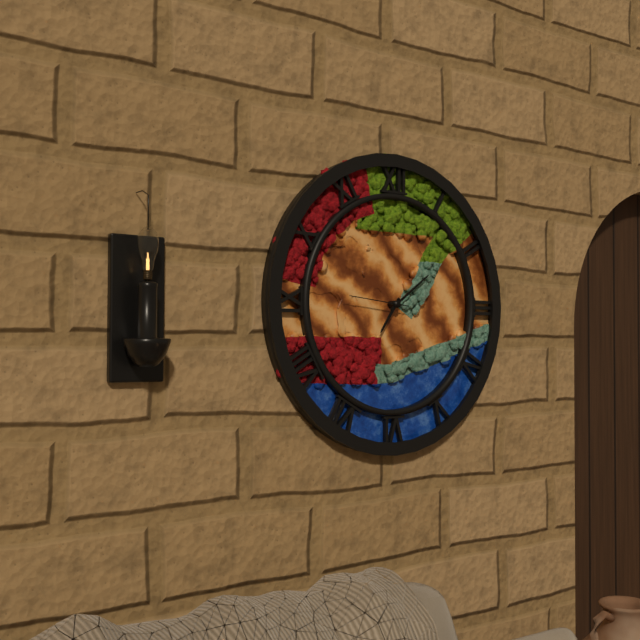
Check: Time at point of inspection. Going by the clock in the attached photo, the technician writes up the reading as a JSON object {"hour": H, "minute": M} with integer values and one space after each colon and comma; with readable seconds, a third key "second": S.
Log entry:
{"hour": 7, "minute": 9}
